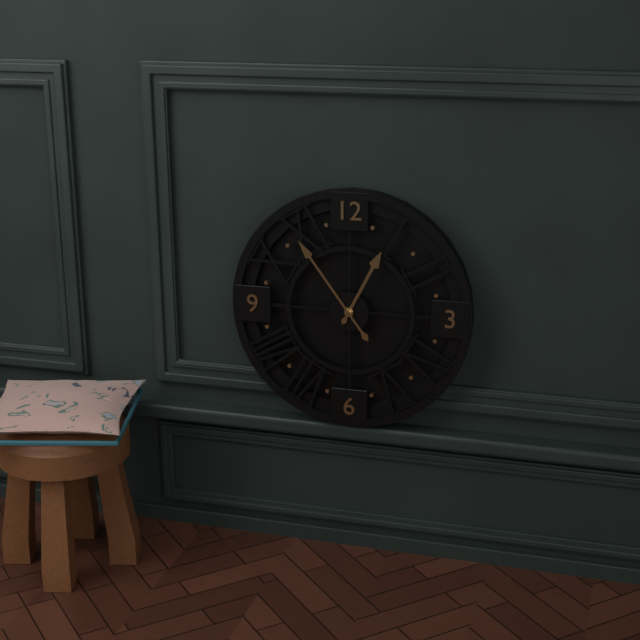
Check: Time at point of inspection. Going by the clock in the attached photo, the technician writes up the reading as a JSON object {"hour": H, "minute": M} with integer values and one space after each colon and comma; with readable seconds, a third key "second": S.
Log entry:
{"hour": 12, "minute": 54}
